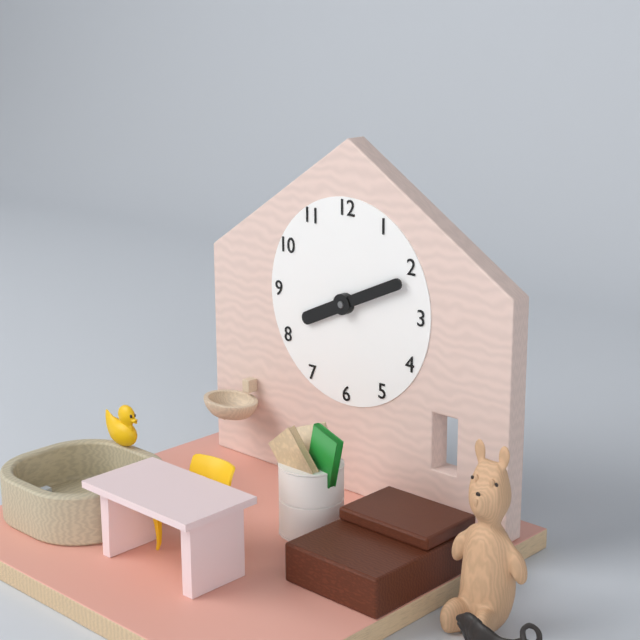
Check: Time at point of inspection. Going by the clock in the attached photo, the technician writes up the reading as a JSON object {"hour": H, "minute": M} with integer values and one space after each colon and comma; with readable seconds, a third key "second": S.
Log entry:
{"hour": 8, "minute": 11}
